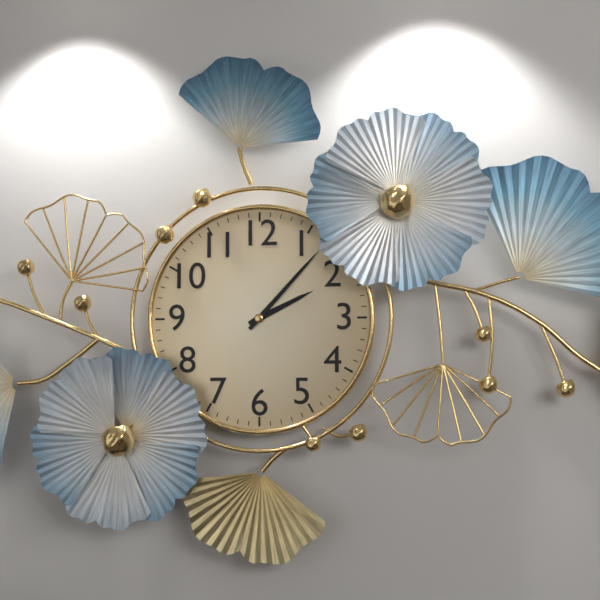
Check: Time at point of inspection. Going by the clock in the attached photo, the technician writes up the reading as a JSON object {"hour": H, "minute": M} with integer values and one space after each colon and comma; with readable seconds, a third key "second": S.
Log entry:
{"hour": 2, "minute": 7}
